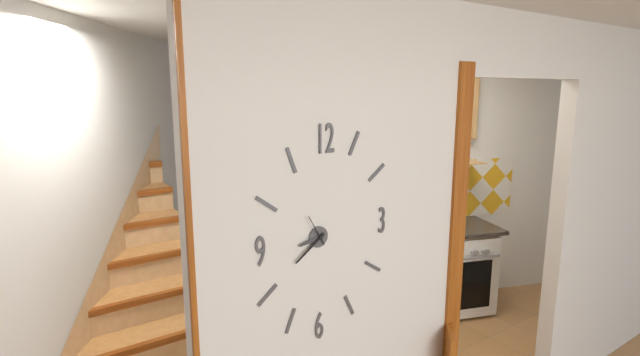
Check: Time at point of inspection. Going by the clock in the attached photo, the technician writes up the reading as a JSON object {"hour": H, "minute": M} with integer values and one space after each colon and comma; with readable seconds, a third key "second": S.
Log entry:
{"hour": 8, "minute": 39}
